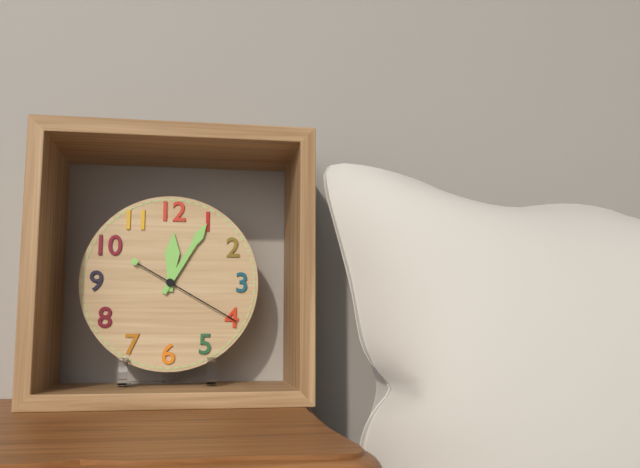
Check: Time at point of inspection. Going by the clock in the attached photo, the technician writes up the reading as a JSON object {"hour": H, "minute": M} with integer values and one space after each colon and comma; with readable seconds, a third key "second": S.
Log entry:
{"hour": 12, "minute": 5, "second": 20}
